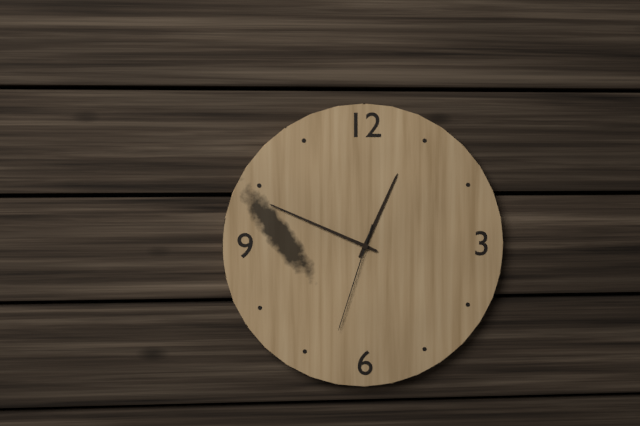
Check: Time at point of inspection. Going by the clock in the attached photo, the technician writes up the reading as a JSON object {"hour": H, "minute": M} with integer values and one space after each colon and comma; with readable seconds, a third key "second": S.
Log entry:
{"hour": 12, "minute": 49, "second": 33}
